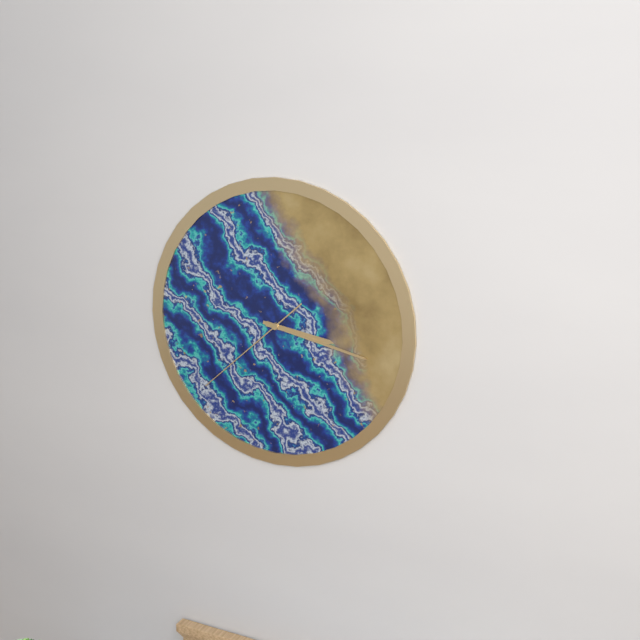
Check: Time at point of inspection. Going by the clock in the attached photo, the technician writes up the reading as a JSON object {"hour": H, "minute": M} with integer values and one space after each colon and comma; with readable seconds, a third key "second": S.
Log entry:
{"hour": 3, "minute": 17, "second": 38}
